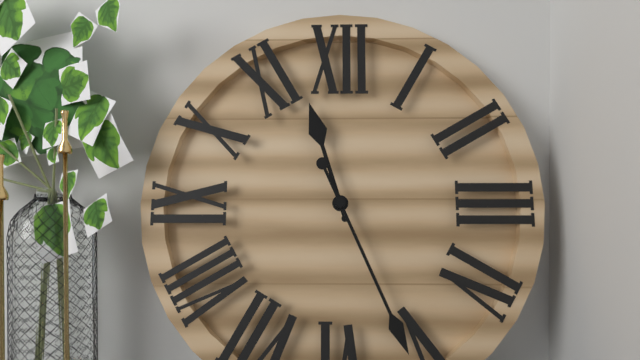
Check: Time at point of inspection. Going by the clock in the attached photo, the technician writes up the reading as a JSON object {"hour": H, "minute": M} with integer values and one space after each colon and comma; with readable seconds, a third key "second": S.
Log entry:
{"hour": 11, "minute": 26}
